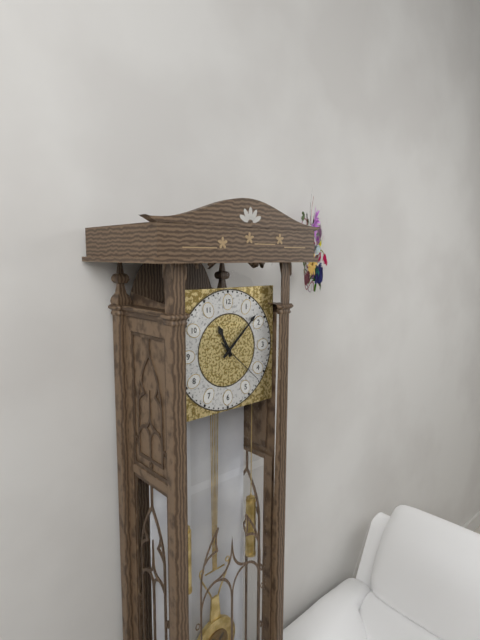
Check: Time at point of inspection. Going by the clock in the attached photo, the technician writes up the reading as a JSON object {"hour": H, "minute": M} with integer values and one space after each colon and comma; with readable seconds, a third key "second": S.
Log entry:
{"hour": 11, "minute": 8, "second": 22}
